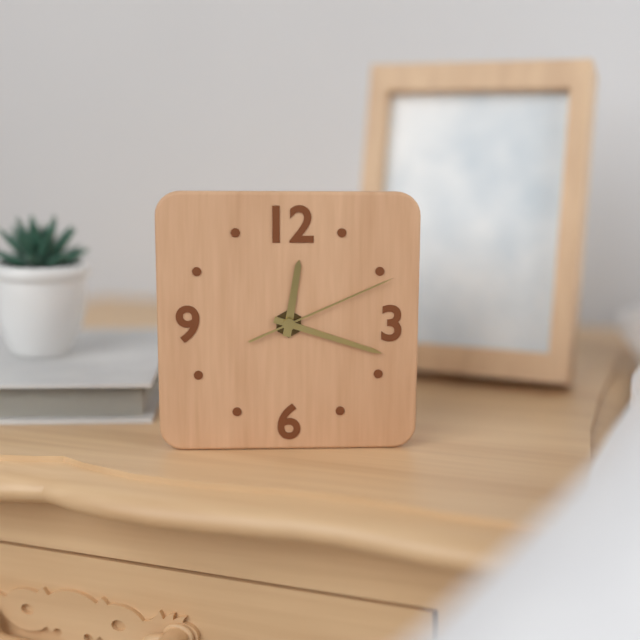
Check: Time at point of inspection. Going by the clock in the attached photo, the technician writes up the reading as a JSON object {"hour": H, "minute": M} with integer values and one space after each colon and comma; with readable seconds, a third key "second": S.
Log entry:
{"hour": 12, "minute": 18, "second": 11}
